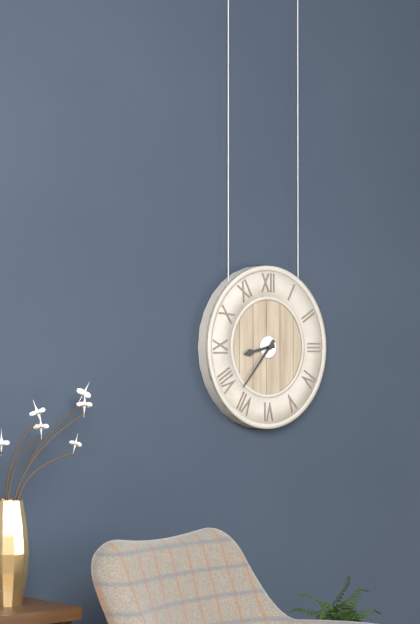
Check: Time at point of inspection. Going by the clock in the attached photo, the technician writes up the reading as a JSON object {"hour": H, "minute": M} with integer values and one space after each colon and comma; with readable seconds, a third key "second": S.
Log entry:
{"hour": 8, "minute": 37}
